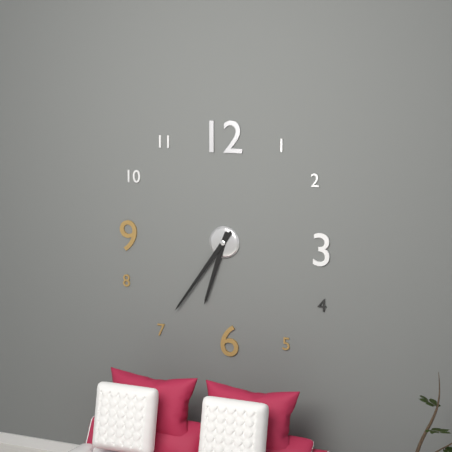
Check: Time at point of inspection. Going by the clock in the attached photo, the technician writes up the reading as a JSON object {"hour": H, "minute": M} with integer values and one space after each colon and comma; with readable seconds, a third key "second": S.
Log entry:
{"hour": 6, "minute": 36}
